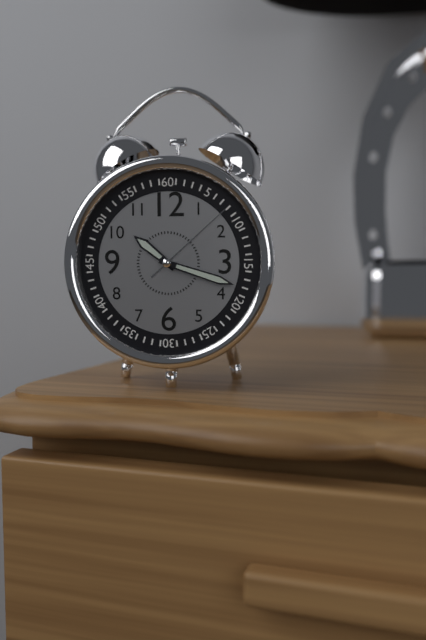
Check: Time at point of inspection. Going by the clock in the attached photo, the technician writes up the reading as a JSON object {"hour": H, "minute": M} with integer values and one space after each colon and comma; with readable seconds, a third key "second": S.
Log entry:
{"hour": 10, "minute": 18, "second": 8}
